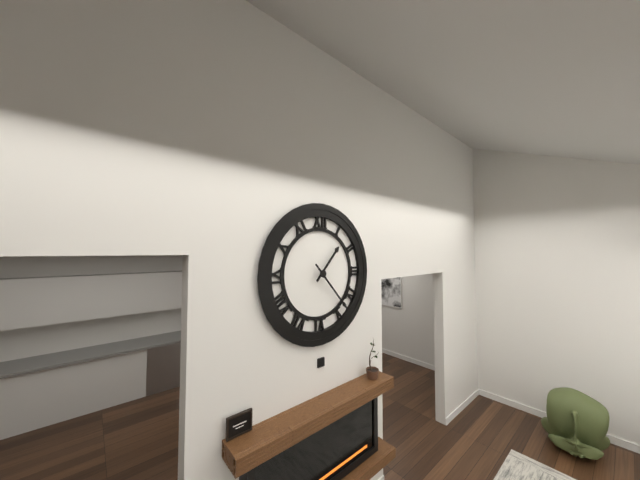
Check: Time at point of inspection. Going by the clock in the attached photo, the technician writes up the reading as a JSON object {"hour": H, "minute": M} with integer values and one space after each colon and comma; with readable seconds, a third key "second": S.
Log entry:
{"hour": 1, "minute": 23}
